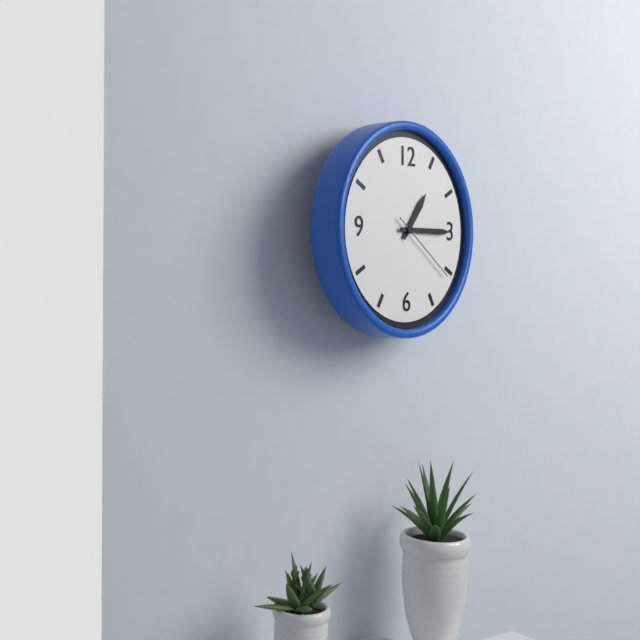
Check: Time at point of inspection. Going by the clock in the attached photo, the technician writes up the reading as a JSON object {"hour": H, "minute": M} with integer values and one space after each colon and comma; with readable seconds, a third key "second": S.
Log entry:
{"hour": 1, "minute": 15, "second": 21}
